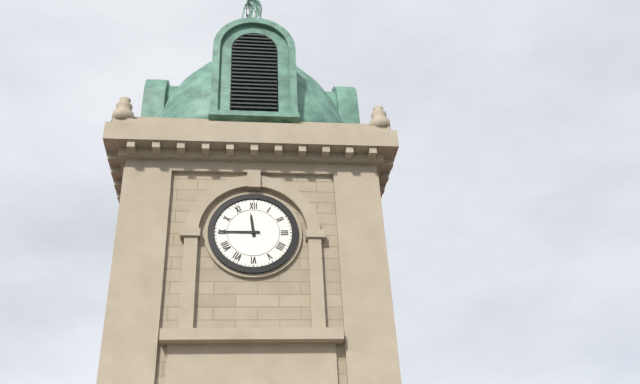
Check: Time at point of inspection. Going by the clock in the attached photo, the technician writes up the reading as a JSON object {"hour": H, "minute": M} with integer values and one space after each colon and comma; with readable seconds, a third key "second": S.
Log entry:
{"hour": 11, "minute": 45}
